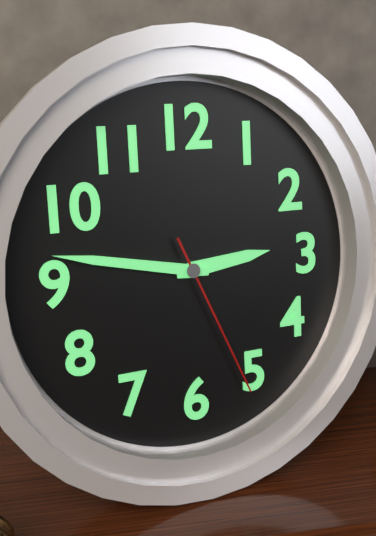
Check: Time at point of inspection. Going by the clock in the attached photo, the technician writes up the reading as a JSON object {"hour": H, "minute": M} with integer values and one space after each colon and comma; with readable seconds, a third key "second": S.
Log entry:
{"hour": 2, "minute": 47, "second": 26}
